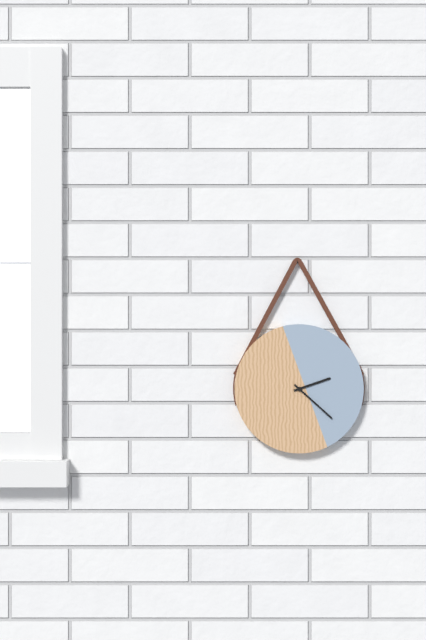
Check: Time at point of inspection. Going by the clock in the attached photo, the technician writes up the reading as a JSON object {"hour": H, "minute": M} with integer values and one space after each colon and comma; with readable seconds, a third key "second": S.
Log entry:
{"hour": 2, "minute": 22}
